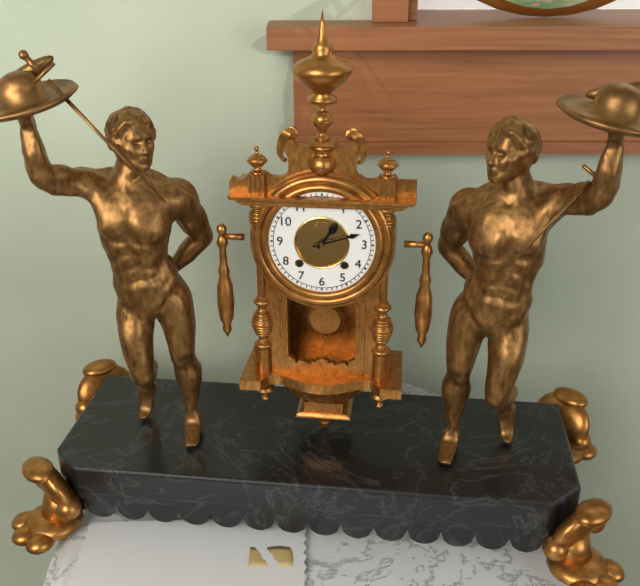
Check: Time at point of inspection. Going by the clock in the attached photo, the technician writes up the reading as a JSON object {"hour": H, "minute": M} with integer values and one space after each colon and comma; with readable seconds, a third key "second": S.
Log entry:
{"hour": 1, "minute": 12}
